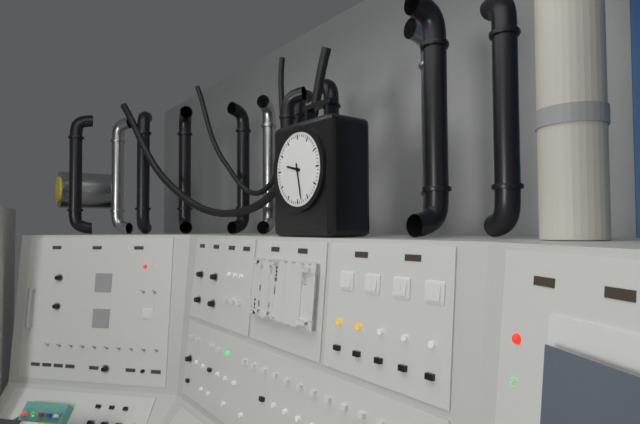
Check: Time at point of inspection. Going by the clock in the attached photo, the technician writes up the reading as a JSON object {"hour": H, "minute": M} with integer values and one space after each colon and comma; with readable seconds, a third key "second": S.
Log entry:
{"hour": 9, "minute": 28}
